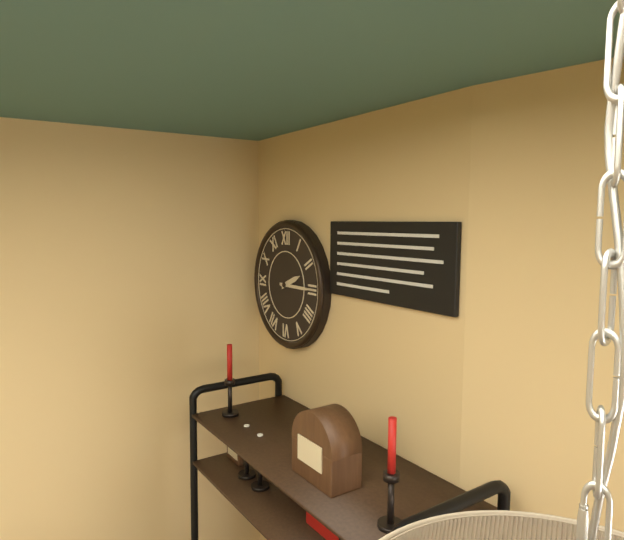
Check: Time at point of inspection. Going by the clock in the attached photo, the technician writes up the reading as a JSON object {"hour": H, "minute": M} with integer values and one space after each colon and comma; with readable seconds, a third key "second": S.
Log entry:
{"hour": 2, "minute": 15}
